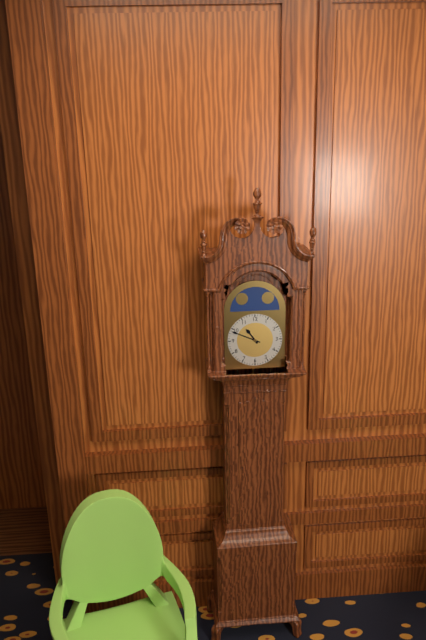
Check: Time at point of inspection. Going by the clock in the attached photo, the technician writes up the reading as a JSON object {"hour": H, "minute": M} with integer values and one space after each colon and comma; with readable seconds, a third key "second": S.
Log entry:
{"hour": 10, "minute": 49}
